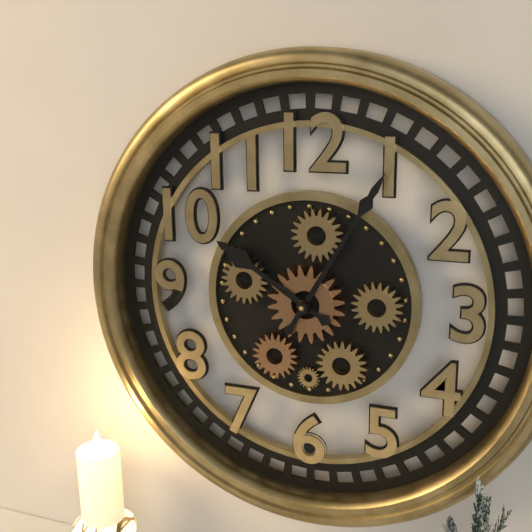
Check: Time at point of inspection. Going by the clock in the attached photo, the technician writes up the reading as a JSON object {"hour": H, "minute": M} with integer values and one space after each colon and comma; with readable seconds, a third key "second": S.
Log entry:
{"hour": 10, "minute": 5}
